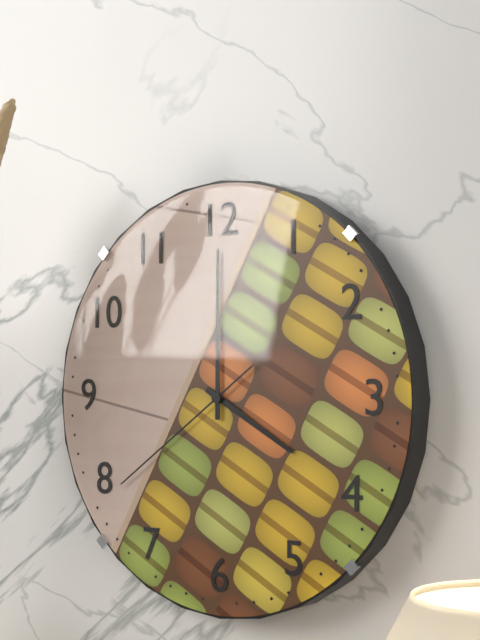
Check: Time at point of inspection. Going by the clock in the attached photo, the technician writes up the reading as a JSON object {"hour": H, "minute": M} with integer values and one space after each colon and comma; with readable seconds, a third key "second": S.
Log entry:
{"hour": 4, "minute": 0, "second": 39}
